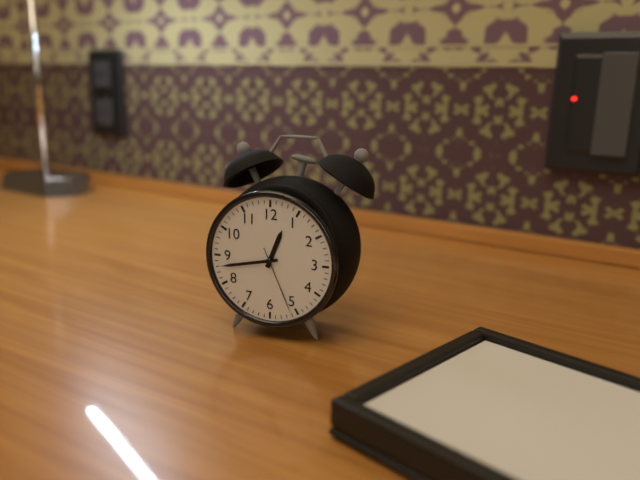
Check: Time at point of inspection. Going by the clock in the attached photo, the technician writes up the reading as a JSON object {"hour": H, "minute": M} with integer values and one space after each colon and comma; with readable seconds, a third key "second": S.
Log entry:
{"hour": 12, "minute": 43, "second": 26}
